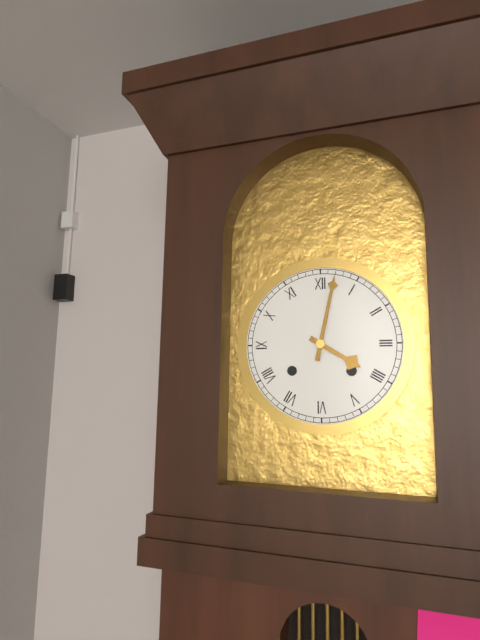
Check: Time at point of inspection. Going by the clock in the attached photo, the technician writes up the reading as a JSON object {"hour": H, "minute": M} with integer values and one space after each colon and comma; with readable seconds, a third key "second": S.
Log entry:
{"hour": 4, "minute": 2}
